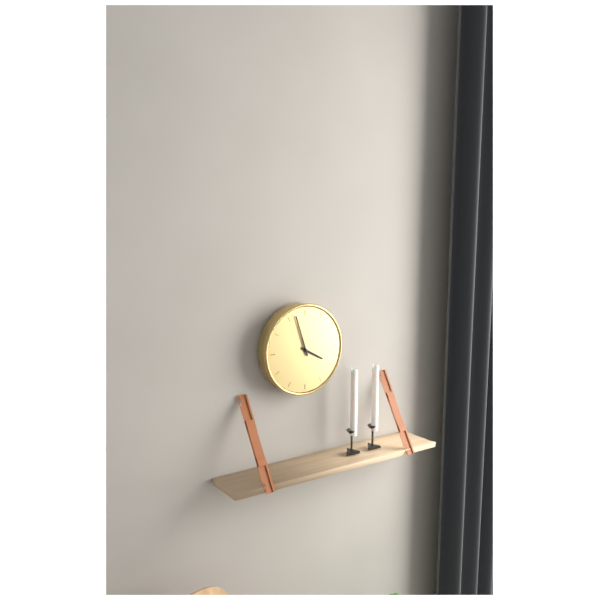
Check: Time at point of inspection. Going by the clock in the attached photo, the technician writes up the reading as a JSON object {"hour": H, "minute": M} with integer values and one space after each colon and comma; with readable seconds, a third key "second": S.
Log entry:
{"hour": 3, "minute": 57}
